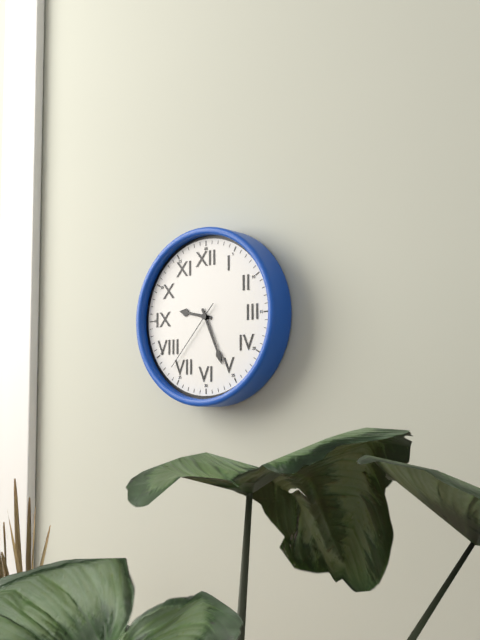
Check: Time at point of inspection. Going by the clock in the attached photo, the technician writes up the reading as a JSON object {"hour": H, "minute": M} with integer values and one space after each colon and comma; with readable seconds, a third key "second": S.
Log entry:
{"hour": 9, "minute": 26, "second": 37}
